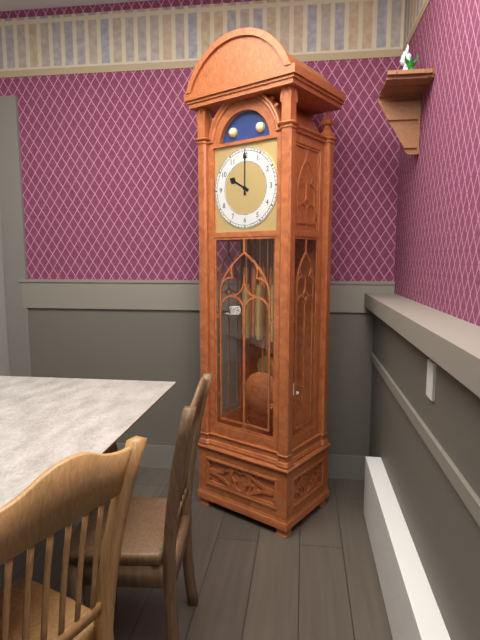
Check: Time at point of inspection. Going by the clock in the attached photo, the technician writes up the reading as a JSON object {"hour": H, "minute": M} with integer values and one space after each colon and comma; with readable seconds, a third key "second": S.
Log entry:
{"hour": 10, "minute": 0}
